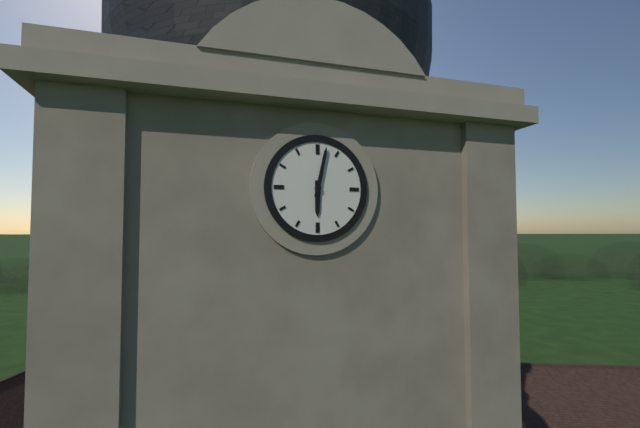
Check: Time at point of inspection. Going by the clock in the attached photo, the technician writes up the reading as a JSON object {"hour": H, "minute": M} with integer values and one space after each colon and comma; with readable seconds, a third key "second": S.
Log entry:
{"hour": 6, "minute": 2}
